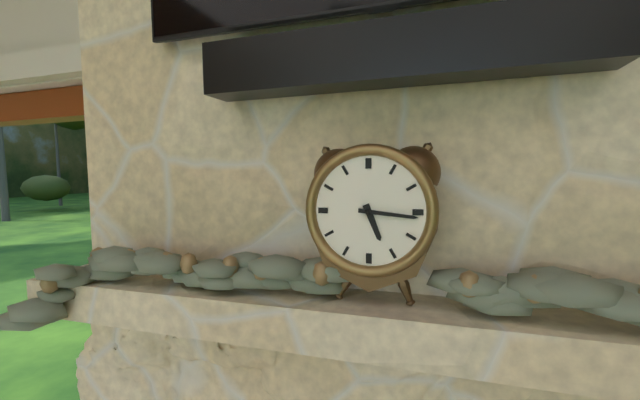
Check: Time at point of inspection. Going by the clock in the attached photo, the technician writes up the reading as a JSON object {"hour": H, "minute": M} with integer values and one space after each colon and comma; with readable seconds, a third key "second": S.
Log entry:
{"hour": 5, "minute": 16}
